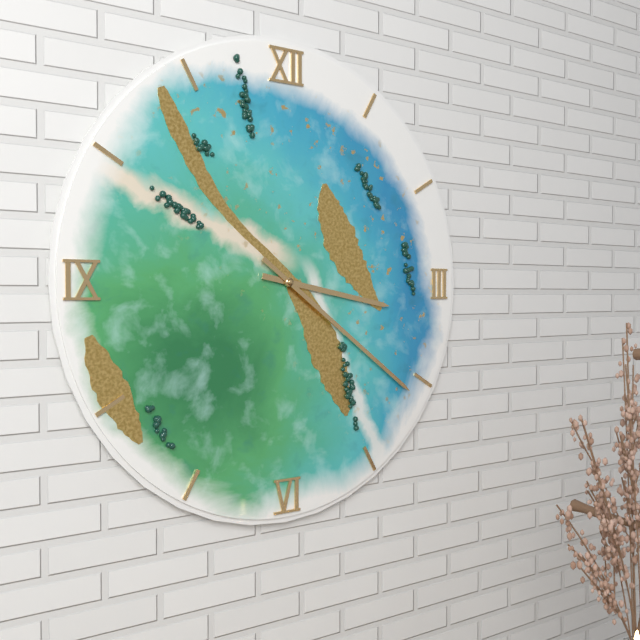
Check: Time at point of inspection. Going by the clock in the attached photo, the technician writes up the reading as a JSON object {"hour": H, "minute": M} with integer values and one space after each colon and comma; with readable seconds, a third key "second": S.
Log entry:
{"hour": 3, "minute": 21}
